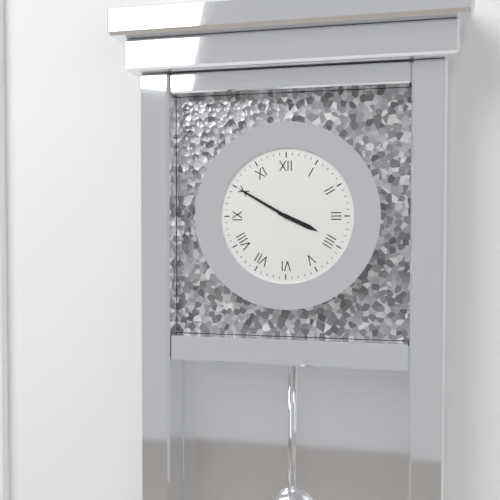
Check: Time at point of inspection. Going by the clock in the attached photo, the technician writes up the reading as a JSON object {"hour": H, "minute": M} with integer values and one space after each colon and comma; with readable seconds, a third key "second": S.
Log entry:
{"hour": 3, "minute": 50}
